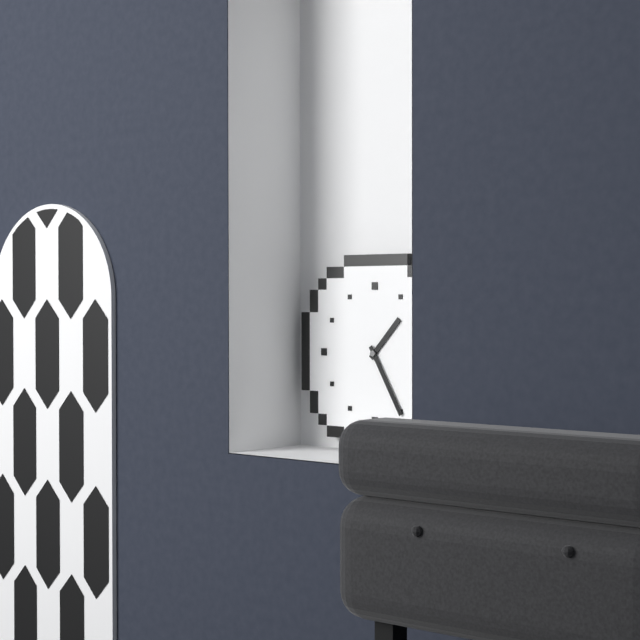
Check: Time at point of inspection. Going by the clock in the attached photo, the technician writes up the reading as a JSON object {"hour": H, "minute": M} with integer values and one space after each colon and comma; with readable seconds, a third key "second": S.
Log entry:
{"hour": 1, "minute": 25}
